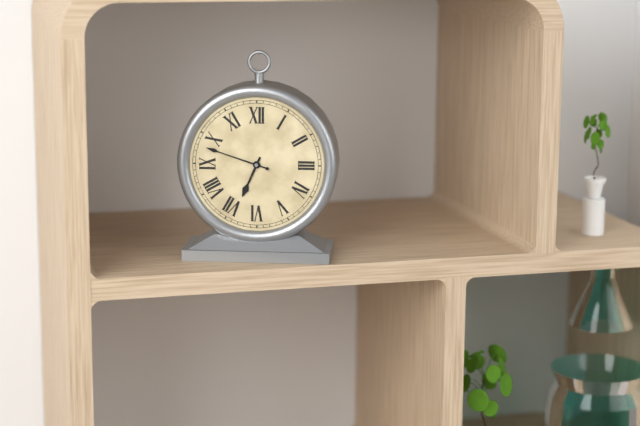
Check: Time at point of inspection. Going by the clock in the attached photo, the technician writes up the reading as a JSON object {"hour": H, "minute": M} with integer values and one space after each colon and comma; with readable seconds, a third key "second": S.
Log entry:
{"hour": 6, "minute": 48}
